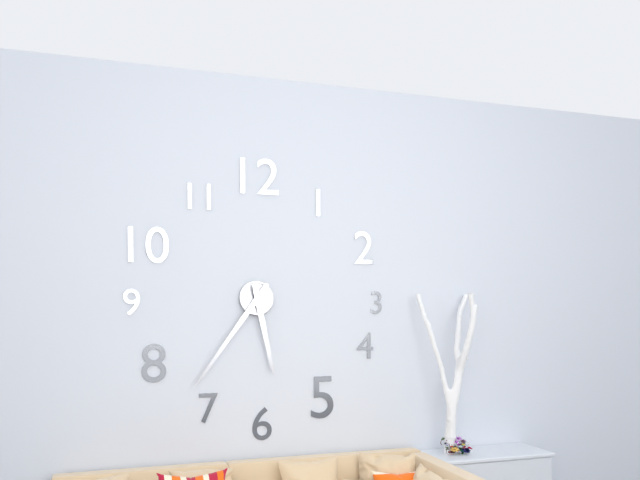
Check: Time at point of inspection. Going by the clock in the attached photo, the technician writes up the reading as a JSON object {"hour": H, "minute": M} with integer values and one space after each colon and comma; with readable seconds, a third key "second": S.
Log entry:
{"hour": 5, "minute": 36}
